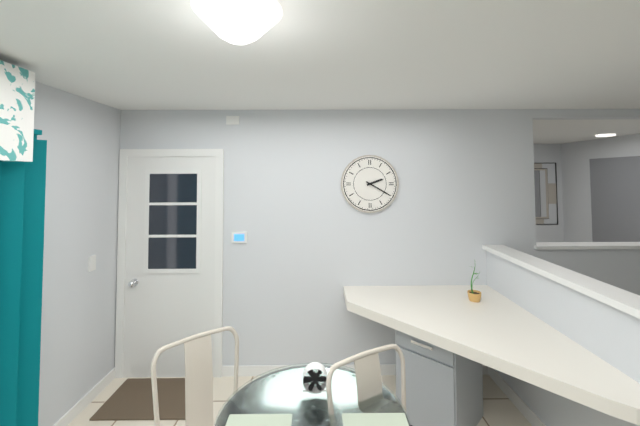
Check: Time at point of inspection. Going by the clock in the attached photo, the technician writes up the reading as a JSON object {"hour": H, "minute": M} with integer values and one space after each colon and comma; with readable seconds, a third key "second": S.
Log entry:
{"hour": 2, "minute": 20}
